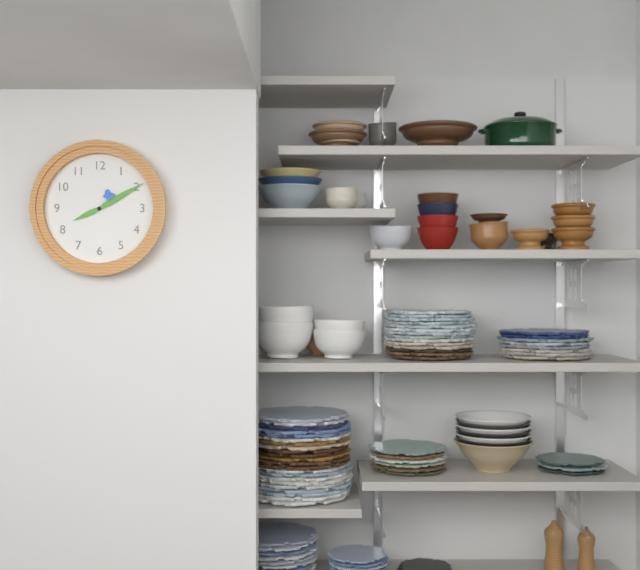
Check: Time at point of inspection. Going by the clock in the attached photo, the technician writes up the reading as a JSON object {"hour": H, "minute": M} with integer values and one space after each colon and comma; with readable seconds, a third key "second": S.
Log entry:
{"hour": 8, "minute": 10}
